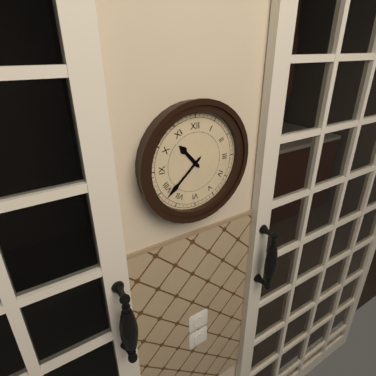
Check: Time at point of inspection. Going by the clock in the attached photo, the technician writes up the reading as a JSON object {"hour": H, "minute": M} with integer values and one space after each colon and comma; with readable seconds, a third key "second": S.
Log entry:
{"hour": 10, "minute": 38}
